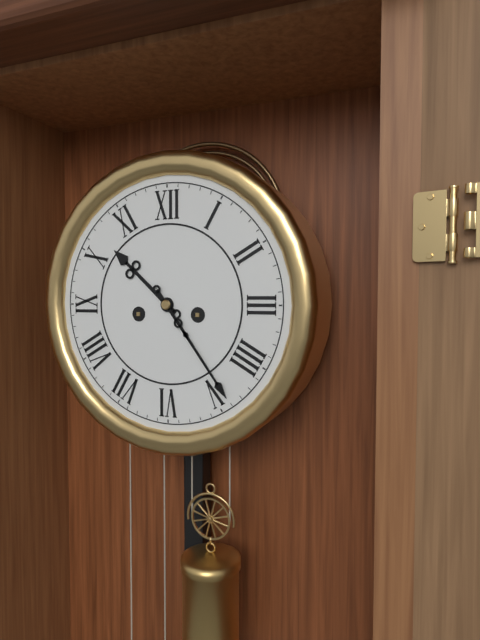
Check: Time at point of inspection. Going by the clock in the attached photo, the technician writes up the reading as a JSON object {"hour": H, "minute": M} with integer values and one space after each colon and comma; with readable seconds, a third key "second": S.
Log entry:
{"hour": 10, "minute": 24}
